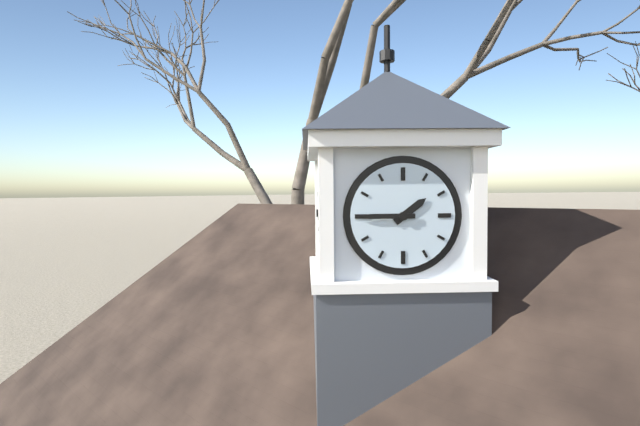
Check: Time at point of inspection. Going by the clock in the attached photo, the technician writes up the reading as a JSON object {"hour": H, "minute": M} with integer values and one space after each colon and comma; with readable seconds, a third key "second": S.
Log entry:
{"hour": 1, "minute": 45}
